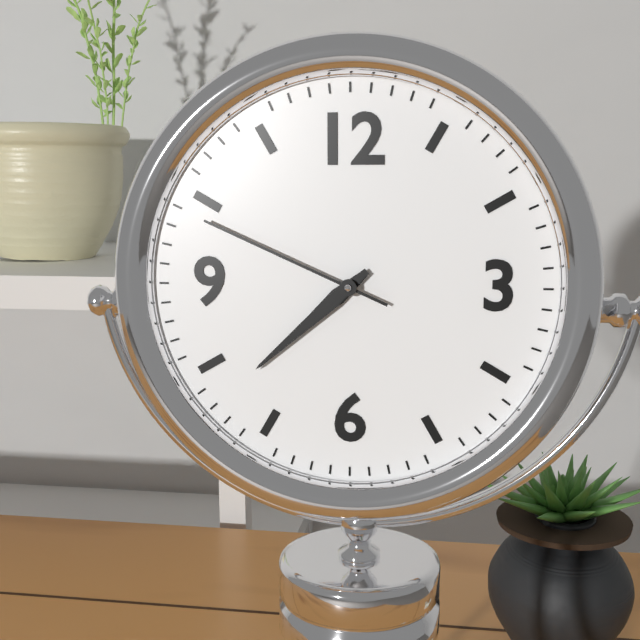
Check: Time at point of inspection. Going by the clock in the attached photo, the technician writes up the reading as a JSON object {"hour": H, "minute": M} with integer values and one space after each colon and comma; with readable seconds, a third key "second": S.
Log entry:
{"hour": 7, "minute": 38, "second": 49}
